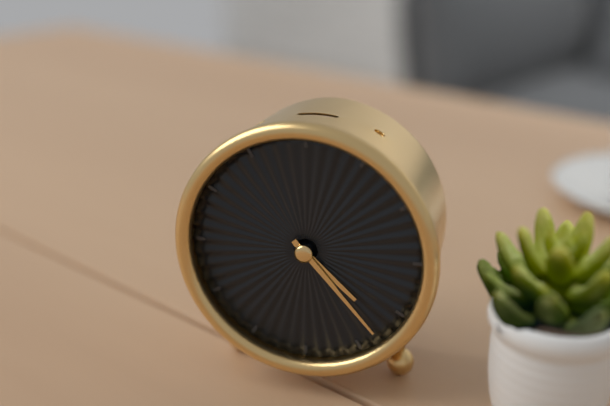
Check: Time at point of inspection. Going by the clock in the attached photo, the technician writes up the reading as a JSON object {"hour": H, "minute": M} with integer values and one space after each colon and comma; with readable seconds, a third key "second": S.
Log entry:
{"hour": 4, "minute": 23}
